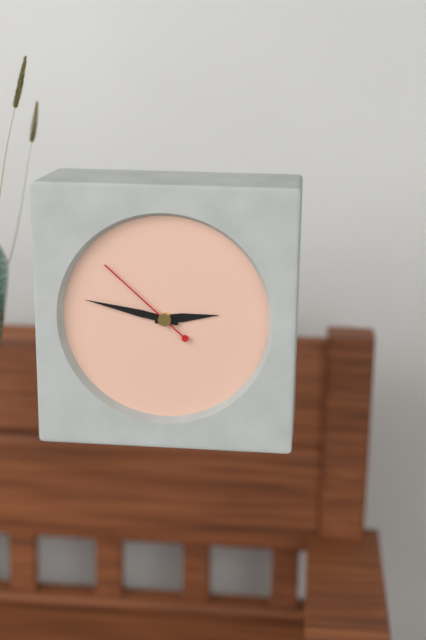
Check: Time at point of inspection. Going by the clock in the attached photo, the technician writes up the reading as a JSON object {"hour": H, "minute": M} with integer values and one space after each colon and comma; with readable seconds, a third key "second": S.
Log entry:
{"hour": 2, "minute": 47, "second": 52}
